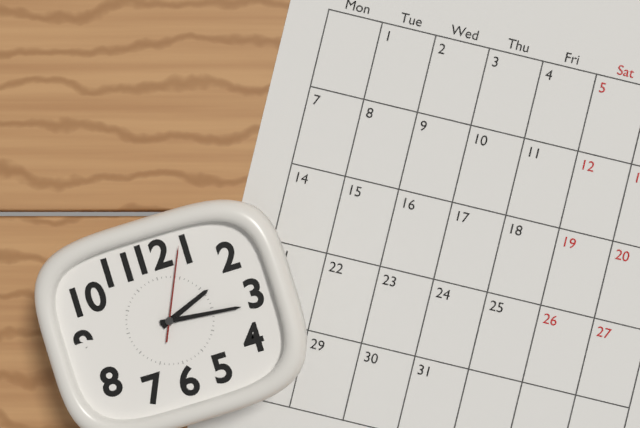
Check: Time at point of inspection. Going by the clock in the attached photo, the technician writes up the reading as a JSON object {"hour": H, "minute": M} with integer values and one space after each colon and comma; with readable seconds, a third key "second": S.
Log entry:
{"hour": 2, "minute": 16, "second": 4}
